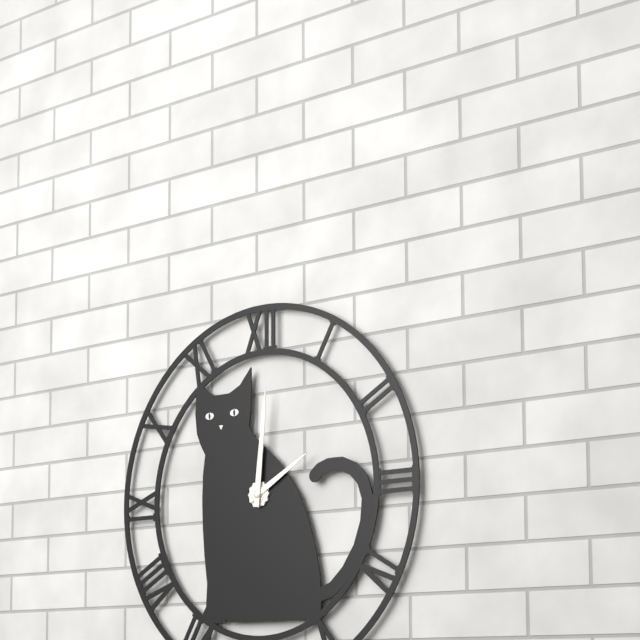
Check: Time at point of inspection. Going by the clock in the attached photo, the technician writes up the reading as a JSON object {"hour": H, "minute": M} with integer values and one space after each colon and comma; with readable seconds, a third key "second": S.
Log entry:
{"hour": 2, "minute": 1}
